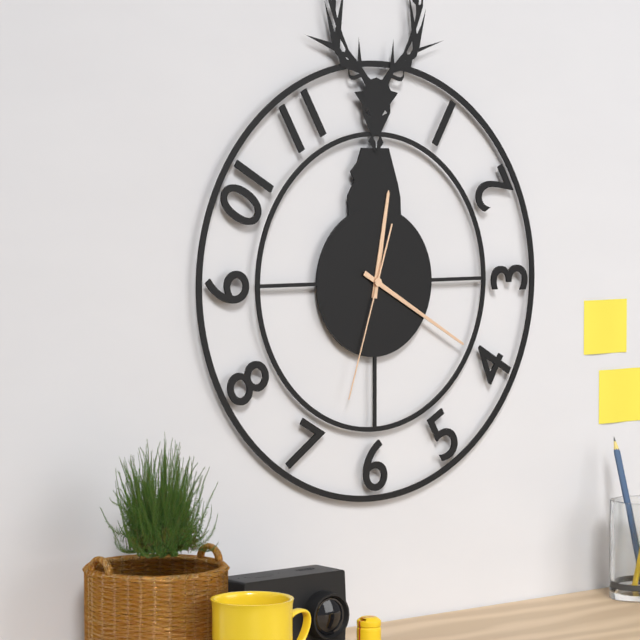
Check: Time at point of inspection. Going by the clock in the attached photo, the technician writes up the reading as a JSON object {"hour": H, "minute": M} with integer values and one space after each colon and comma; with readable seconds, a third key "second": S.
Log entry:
{"hour": 12, "minute": 20, "second": 33}
